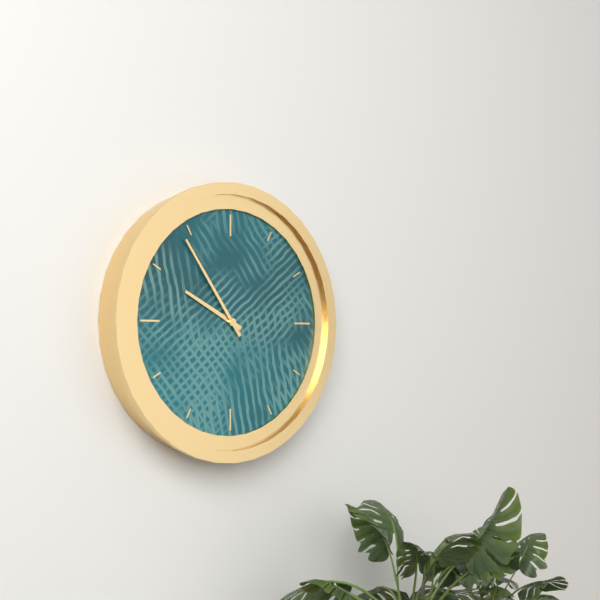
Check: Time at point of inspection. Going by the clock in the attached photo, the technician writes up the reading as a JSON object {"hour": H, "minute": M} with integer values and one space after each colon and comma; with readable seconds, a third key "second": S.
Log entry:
{"hour": 9, "minute": 54}
